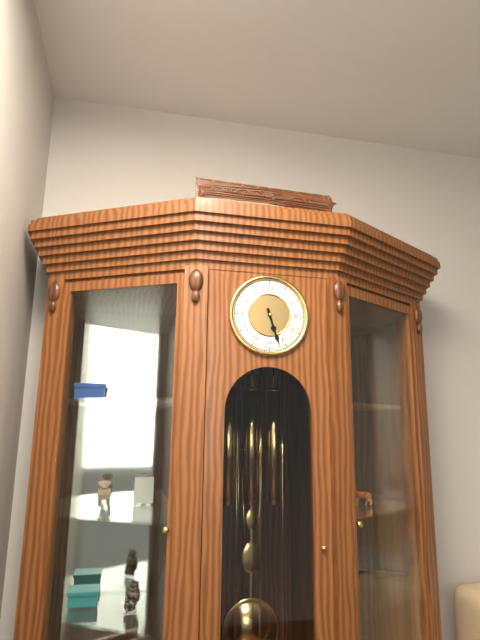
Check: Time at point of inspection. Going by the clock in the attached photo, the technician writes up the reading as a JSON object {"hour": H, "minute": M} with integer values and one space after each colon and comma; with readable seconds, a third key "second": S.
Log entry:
{"hour": 5, "minute": 27}
